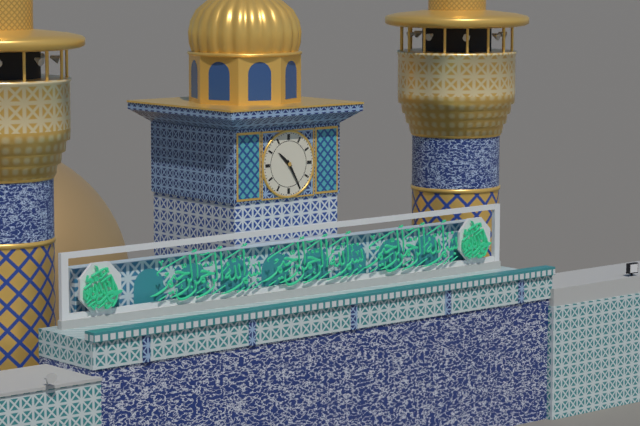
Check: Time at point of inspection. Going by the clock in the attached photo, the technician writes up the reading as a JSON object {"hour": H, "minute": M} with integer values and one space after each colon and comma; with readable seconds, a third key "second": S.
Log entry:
{"hour": 10, "minute": 25}
